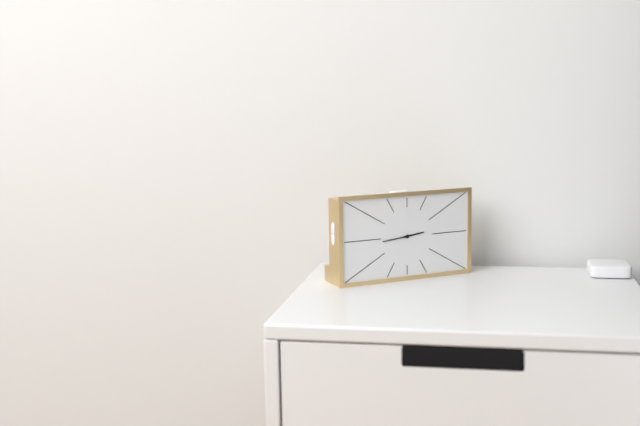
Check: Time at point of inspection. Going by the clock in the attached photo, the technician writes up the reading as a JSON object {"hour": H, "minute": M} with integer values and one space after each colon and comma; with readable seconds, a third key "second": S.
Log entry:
{"hour": 2, "minute": 44}
